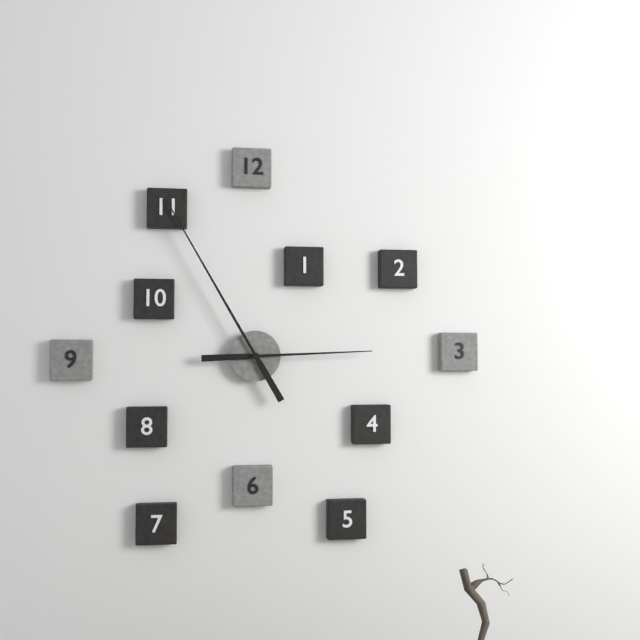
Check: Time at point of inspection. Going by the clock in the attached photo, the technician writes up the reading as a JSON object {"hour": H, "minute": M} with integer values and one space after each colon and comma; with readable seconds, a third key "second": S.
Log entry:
{"hour": 2, "minute": 55}
